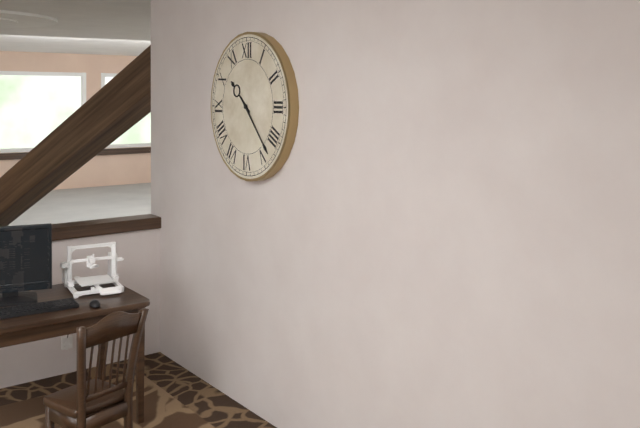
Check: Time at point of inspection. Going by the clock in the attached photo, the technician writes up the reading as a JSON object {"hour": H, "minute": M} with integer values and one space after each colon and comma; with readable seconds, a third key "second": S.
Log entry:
{"hour": 10, "minute": 23}
